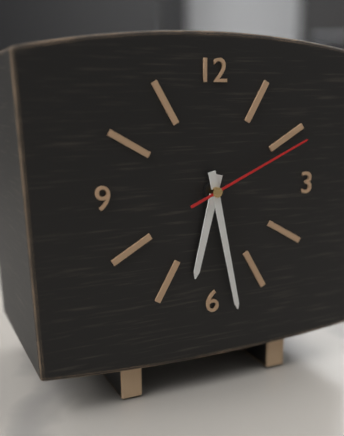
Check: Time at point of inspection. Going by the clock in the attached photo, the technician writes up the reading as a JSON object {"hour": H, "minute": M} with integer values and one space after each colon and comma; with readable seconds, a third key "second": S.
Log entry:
{"hour": 6, "minute": 28, "second": 11}
